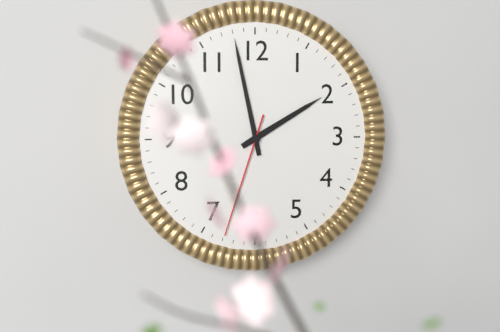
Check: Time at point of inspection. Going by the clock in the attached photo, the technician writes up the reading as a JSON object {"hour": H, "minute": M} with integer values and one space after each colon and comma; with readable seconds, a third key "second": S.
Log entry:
{"hour": 1, "minute": 58, "second": 33}
